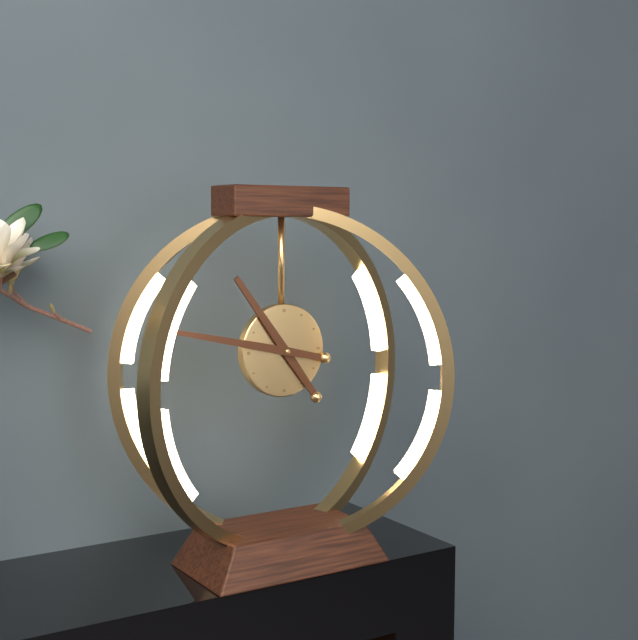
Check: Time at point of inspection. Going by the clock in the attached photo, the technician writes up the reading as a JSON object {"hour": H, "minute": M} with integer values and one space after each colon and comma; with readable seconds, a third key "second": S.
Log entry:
{"hour": 10, "minute": 47}
